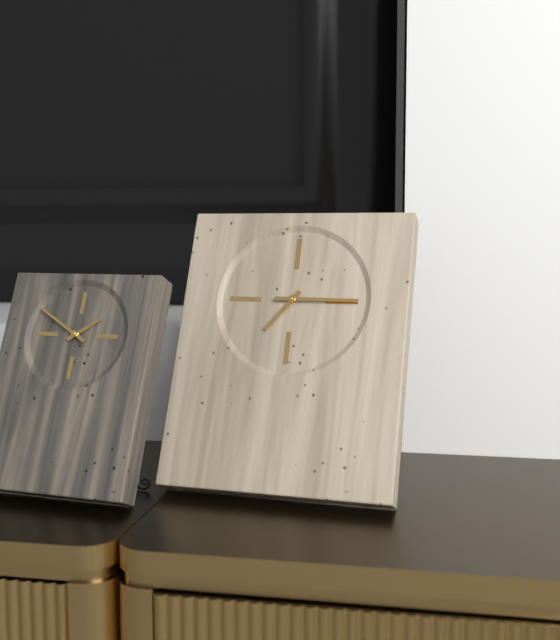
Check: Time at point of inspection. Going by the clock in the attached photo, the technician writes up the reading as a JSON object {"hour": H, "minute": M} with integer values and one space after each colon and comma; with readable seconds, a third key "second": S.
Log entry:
{"hour": 7, "minute": 15}
